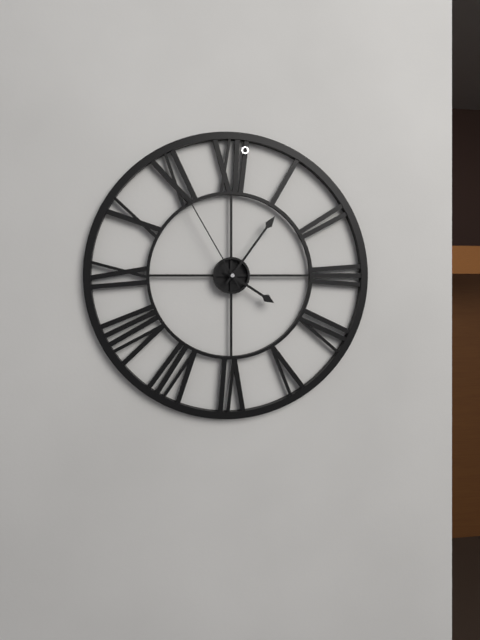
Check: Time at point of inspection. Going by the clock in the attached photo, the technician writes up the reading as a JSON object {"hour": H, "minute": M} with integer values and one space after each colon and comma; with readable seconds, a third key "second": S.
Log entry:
{"hour": 4, "minute": 6, "second": 55}
